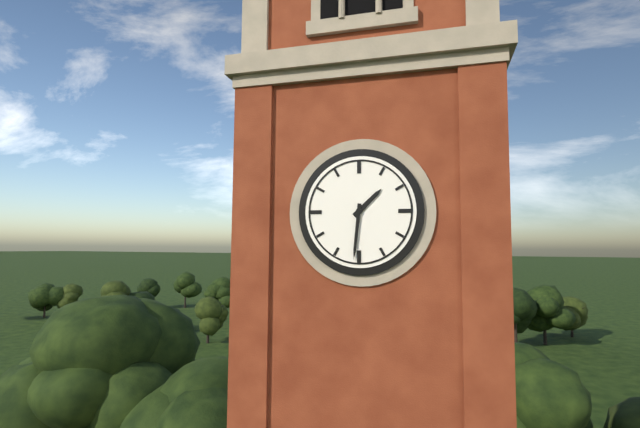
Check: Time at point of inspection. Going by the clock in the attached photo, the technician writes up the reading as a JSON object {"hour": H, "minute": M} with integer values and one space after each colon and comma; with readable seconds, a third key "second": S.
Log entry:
{"hour": 1, "minute": 31}
